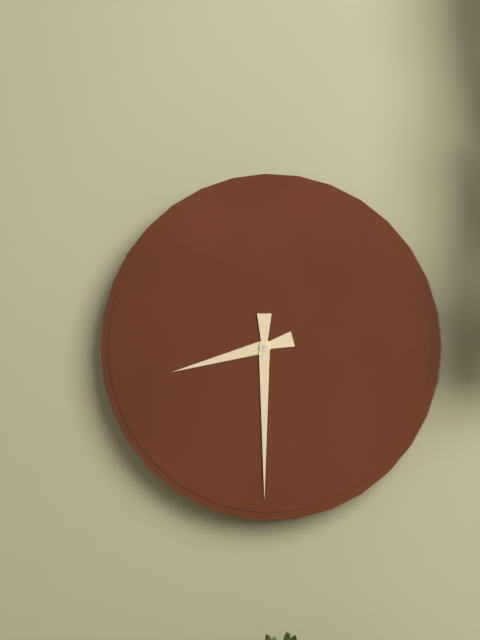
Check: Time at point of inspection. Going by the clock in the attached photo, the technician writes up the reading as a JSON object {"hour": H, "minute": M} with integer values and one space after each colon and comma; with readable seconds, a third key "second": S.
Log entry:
{"hour": 8, "minute": 30}
